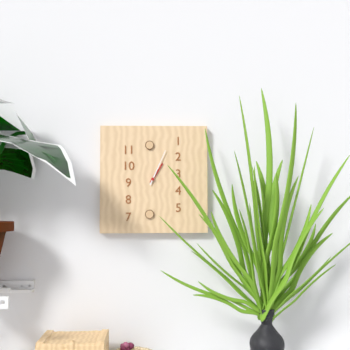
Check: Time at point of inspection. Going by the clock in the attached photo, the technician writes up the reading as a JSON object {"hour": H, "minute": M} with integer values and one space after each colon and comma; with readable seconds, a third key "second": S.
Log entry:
{"hour": 1, "minute": 4}
